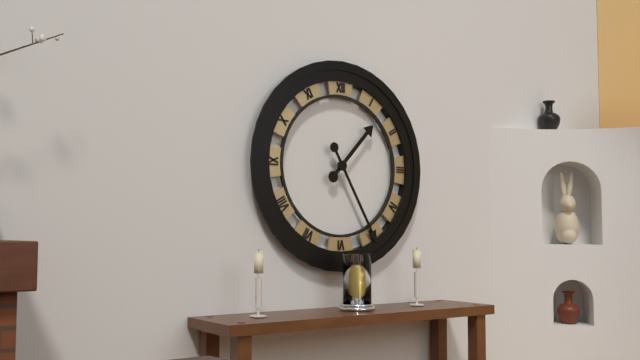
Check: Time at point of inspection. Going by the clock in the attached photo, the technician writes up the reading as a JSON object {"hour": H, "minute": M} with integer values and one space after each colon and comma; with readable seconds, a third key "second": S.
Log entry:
{"hour": 1, "minute": 25}
